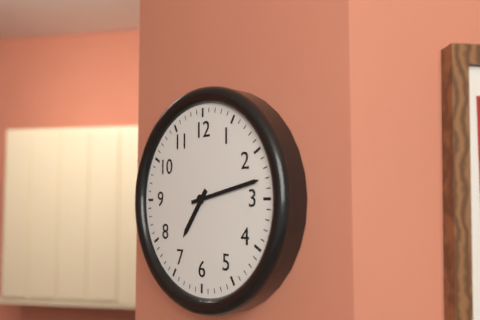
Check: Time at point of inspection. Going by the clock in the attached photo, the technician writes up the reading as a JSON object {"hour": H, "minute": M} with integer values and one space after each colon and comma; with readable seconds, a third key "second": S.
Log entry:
{"hour": 7, "minute": 13}
